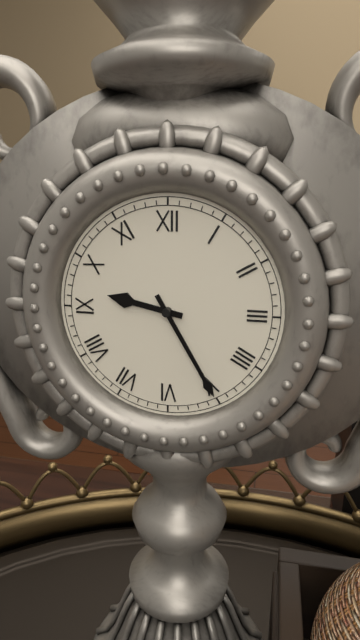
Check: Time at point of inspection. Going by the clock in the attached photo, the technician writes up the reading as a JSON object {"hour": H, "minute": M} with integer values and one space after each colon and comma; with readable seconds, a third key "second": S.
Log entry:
{"hour": 9, "minute": 25}
